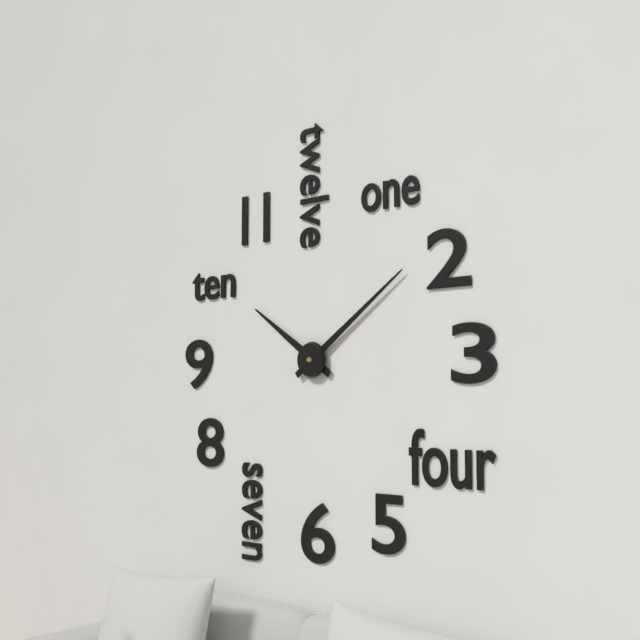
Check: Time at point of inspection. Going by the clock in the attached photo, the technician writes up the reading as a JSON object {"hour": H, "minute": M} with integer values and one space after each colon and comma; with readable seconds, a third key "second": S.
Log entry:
{"hour": 10, "minute": 9}
